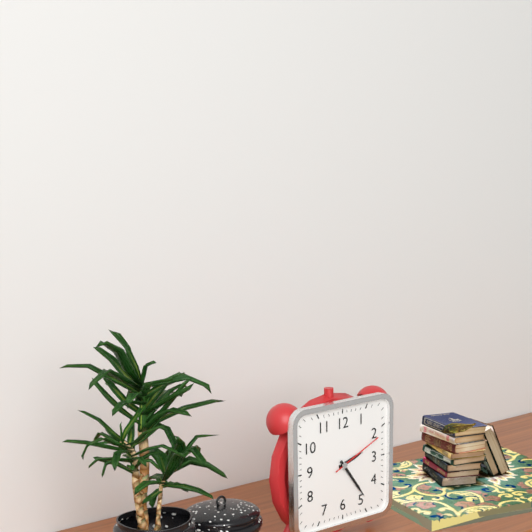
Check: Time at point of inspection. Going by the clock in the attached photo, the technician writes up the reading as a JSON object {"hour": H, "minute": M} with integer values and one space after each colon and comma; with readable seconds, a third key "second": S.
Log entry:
{"hour": 2, "minute": 24, "second": 11}
